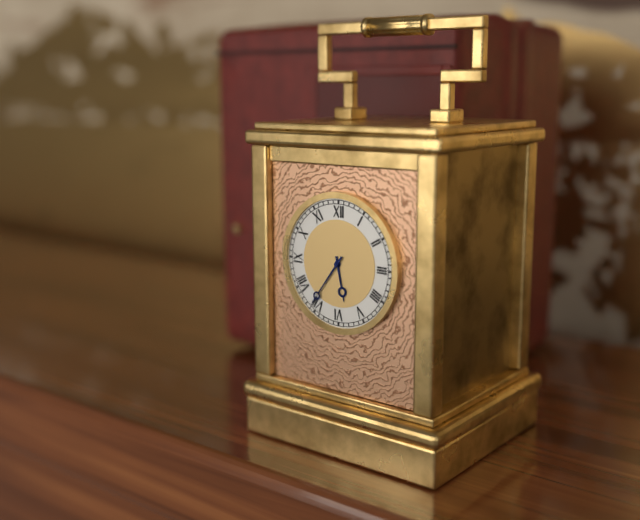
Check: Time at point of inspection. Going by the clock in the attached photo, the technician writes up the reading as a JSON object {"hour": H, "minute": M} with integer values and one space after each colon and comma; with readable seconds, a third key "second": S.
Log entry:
{"hour": 5, "minute": 36}
